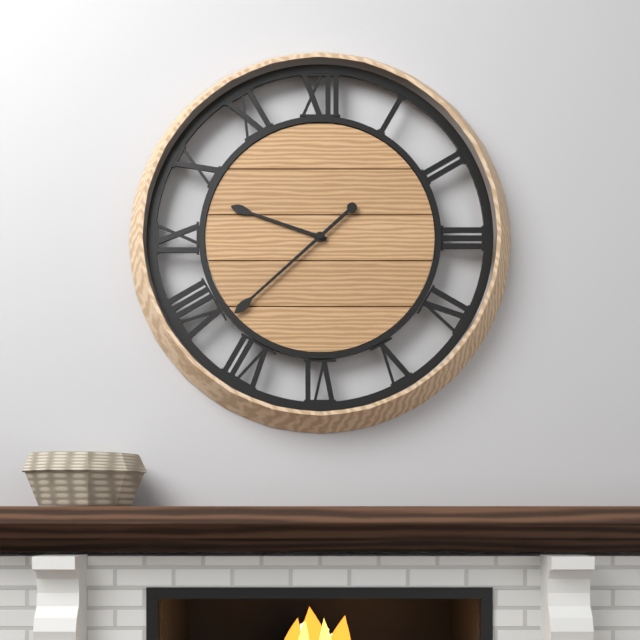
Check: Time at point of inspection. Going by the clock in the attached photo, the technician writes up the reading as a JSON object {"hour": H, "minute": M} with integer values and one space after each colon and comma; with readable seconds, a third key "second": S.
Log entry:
{"hour": 9, "minute": 38}
